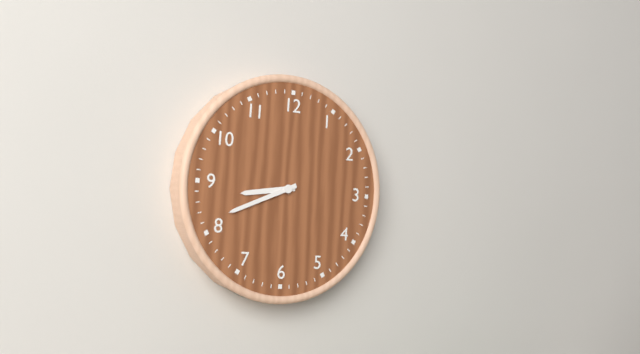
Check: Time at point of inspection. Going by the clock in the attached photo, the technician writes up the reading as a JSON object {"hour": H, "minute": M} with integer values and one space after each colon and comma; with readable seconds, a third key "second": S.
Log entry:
{"hour": 8, "minute": 41}
